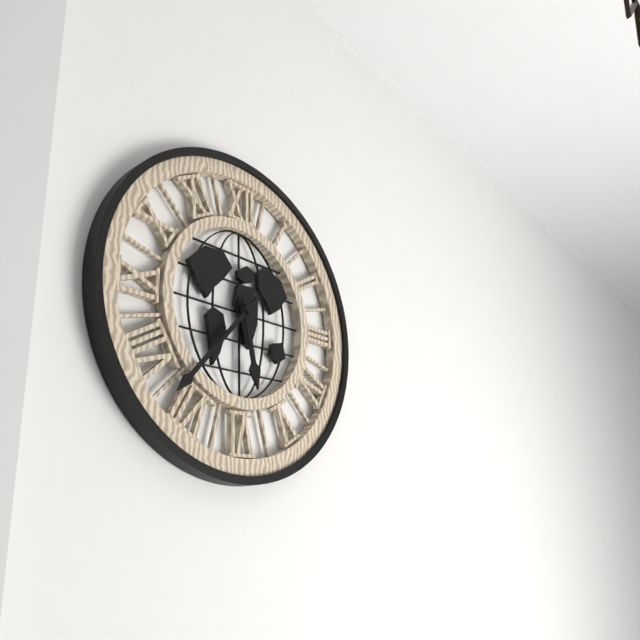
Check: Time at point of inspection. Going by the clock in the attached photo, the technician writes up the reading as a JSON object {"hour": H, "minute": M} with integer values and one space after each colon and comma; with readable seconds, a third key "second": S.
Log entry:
{"hour": 5, "minute": 37}
